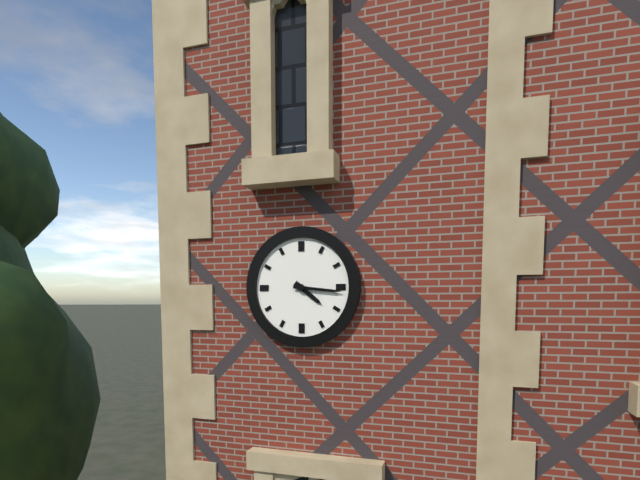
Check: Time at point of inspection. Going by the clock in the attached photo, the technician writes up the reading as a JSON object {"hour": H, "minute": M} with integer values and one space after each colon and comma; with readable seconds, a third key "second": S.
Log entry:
{"hour": 4, "minute": 16}
